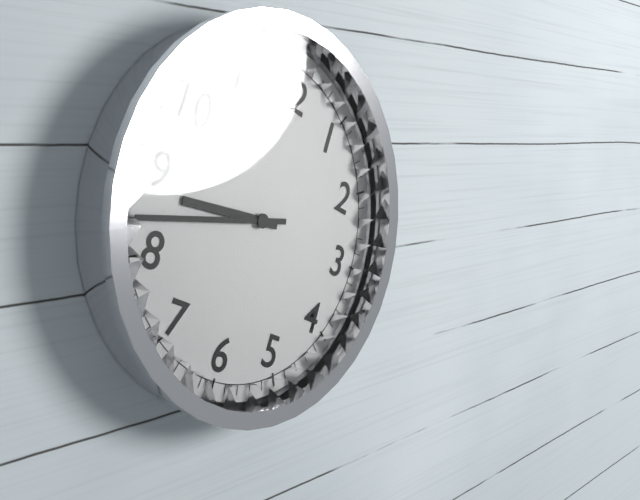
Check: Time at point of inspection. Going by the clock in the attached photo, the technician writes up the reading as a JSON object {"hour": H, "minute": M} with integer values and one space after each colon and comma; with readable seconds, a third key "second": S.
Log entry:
{"hour": 8, "minute": 42}
